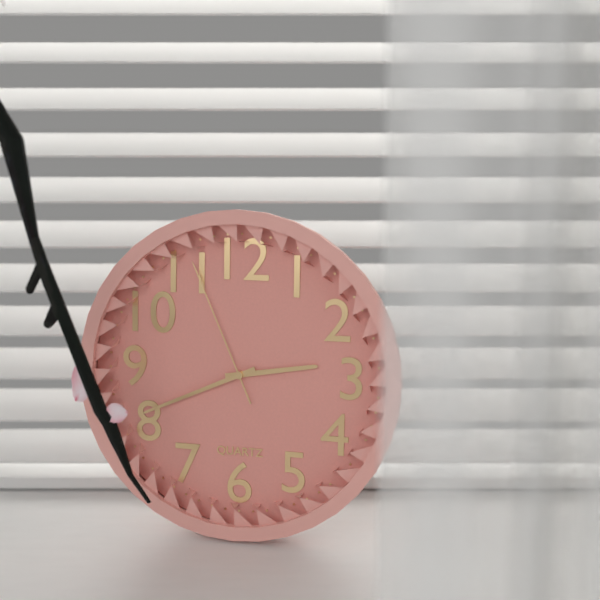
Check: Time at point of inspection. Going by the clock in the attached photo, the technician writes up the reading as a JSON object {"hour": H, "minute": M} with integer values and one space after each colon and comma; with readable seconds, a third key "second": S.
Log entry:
{"hour": 2, "minute": 41, "second": 56}
